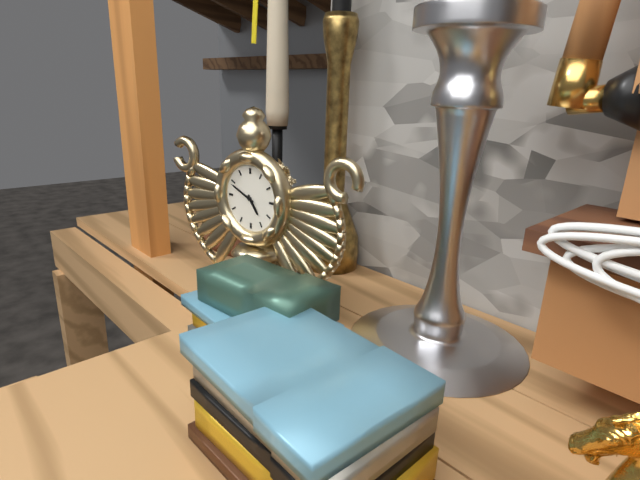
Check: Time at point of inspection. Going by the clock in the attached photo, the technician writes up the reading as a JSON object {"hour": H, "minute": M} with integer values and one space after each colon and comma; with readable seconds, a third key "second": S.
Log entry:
{"hour": 4, "minute": 49}
